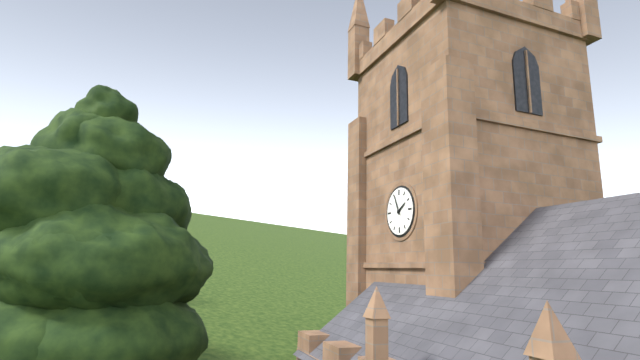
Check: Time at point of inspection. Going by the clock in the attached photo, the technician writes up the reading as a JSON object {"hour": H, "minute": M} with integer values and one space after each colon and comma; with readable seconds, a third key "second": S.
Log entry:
{"hour": 1, "minute": 56}
